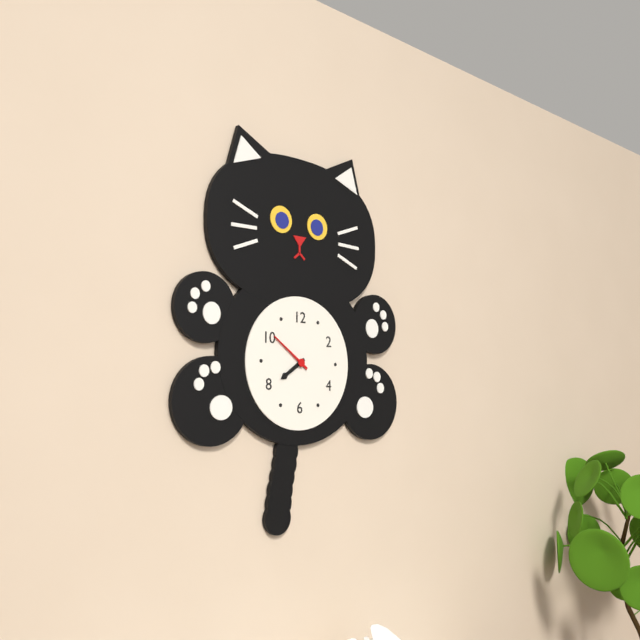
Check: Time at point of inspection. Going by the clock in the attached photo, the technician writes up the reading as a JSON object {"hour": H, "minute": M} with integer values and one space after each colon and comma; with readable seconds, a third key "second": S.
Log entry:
{"hour": 7, "minute": 51}
